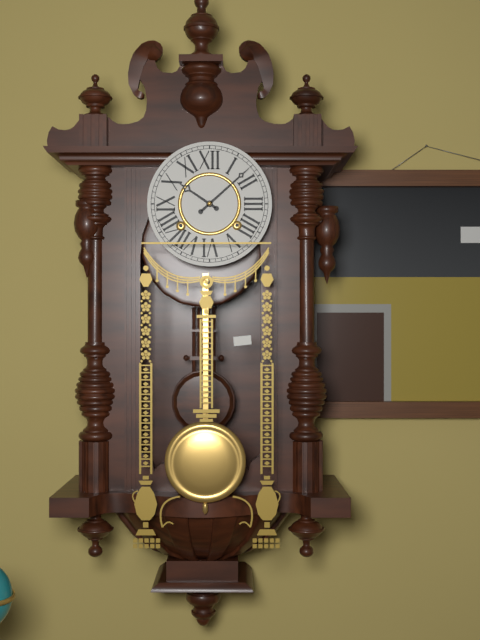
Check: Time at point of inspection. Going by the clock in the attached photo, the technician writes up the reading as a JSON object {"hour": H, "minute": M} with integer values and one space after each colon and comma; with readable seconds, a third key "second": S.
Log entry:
{"hour": 10, "minute": 8}
